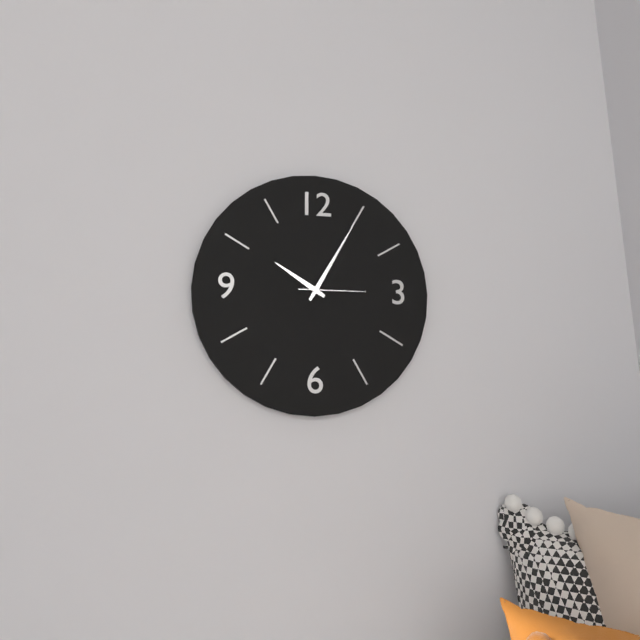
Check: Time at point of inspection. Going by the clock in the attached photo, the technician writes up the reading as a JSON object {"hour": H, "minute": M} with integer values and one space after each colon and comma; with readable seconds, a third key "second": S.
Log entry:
{"hour": 10, "minute": 5, "second": 15}
